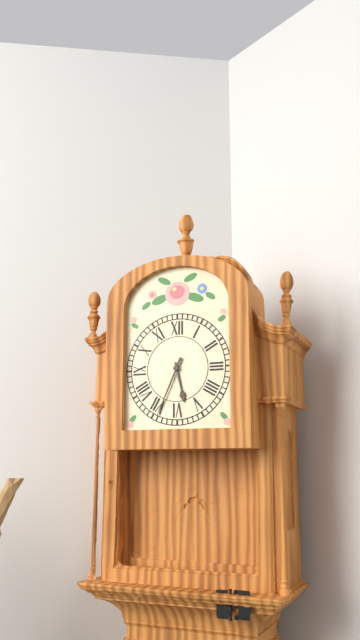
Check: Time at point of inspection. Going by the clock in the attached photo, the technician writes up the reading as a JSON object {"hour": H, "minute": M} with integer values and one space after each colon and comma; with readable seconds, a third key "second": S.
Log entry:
{"hour": 5, "minute": 34}
